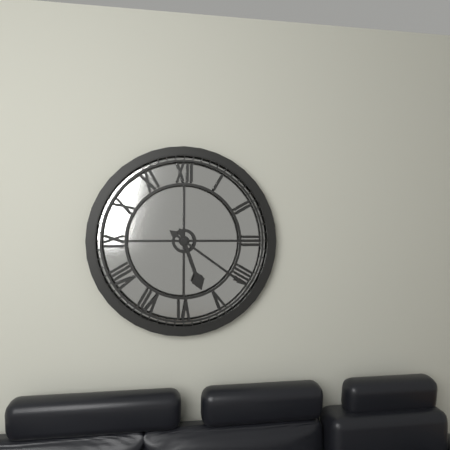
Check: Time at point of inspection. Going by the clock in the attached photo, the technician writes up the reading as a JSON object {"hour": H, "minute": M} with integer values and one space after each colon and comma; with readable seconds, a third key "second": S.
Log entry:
{"hour": 5, "minute": 21}
